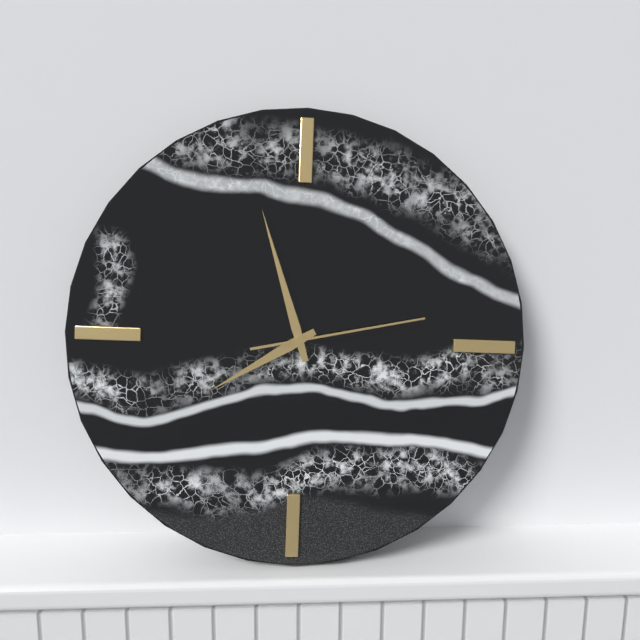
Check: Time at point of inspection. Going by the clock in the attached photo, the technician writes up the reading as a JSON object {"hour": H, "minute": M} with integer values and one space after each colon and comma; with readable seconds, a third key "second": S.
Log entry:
{"hour": 7, "minute": 57, "second": 13}
